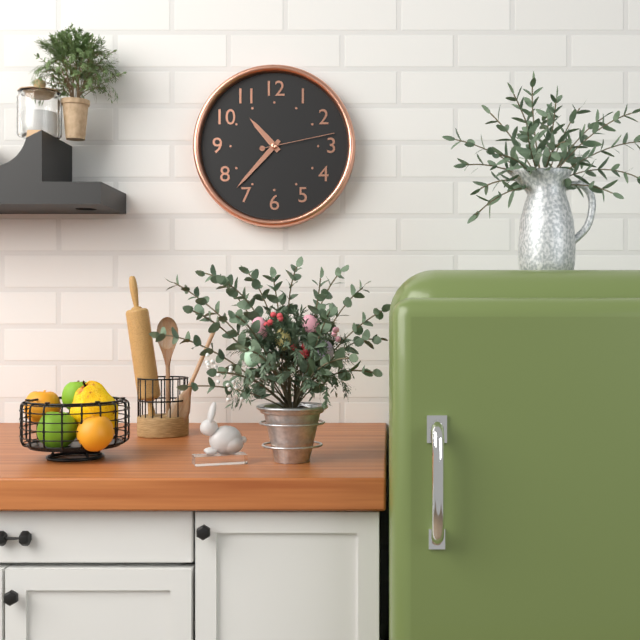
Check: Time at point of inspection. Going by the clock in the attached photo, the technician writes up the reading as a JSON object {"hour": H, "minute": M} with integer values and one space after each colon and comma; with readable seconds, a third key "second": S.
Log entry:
{"hour": 10, "minute": 37, "second": 13}
